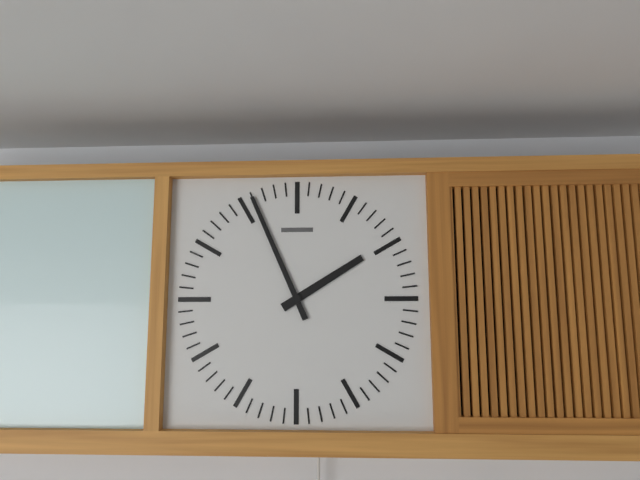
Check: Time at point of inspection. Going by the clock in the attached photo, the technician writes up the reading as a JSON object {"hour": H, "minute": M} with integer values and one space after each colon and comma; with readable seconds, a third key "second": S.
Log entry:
{"hour": 1, "minute": 56}
